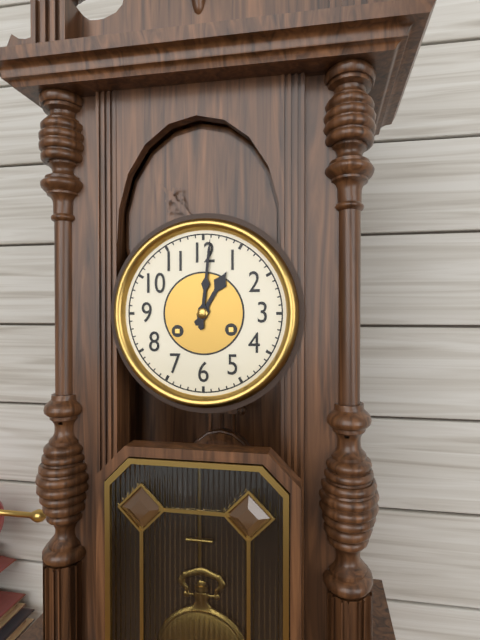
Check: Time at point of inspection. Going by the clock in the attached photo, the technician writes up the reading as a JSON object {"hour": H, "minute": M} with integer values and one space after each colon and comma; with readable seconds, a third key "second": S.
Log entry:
{"hour": 1, "minute": 1}
